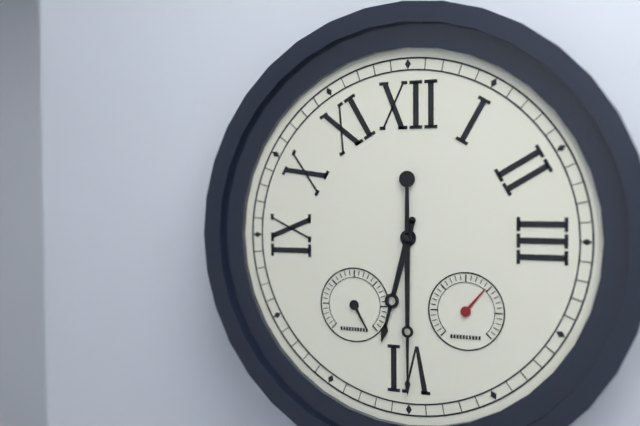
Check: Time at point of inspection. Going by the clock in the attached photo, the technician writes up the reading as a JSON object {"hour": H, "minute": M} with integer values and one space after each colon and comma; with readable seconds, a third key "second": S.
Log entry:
{"hour": 6, "minute": 30}
